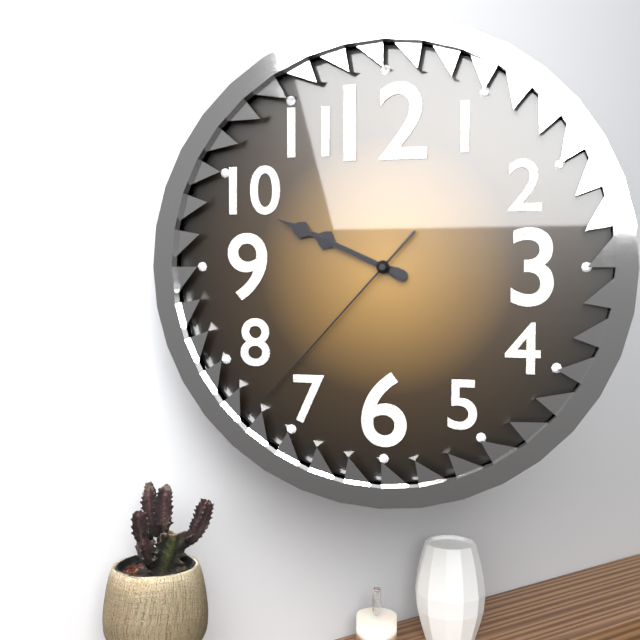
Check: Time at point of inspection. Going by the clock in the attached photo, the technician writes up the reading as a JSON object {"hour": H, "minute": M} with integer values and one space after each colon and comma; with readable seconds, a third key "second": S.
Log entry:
{"hour": 9, "minute": 49, "second": 37}
